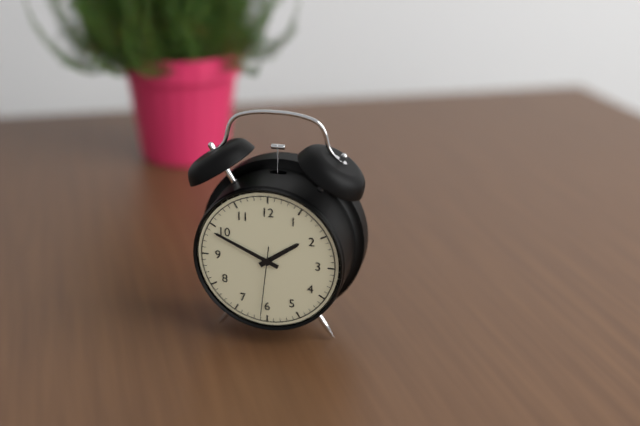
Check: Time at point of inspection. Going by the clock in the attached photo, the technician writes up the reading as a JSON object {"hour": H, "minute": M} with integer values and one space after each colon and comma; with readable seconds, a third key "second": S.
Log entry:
{"hour": 1, "minute": 49, "second": 31}
